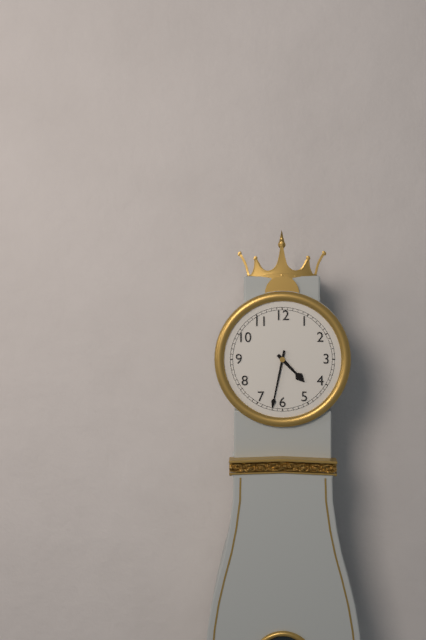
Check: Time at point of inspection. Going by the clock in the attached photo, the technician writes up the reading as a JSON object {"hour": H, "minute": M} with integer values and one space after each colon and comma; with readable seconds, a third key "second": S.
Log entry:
{"hour": 4, "minute": 32}
